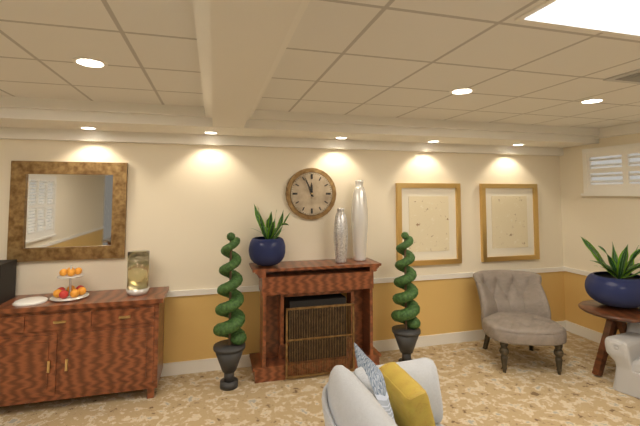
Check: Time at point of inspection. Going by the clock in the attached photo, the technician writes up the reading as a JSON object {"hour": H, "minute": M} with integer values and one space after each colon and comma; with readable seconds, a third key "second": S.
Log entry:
{"hour": 11, "minute": 56}
